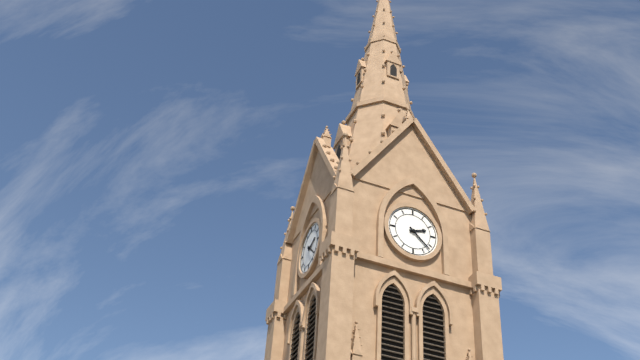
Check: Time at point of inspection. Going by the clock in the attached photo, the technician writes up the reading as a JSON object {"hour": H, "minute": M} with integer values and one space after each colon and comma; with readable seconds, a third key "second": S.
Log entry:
{"hour": 2, "minute": 22}
